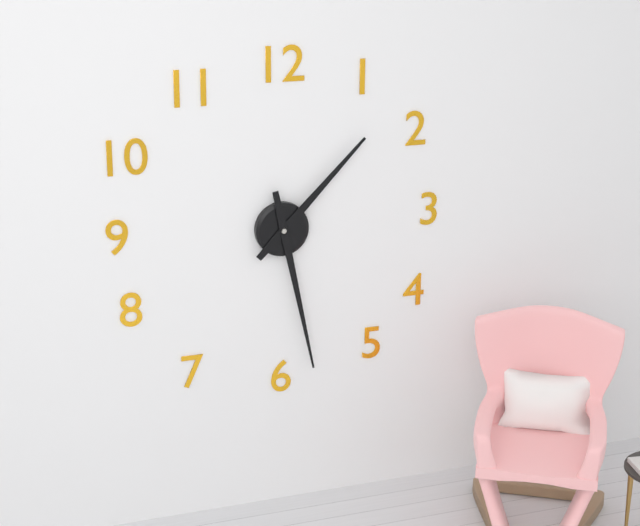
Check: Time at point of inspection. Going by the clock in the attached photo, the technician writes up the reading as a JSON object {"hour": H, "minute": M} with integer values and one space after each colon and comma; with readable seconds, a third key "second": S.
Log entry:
{"hour": 1, "minute": 28}
